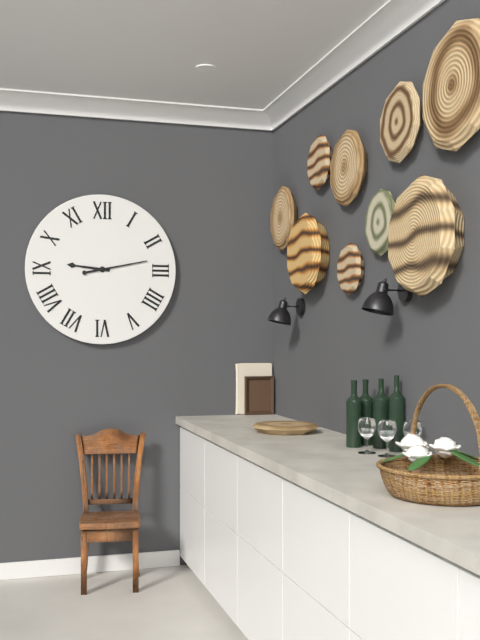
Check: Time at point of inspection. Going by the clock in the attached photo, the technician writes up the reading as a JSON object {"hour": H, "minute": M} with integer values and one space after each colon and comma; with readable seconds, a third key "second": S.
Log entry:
{"hour": 9, "minute": 13}
